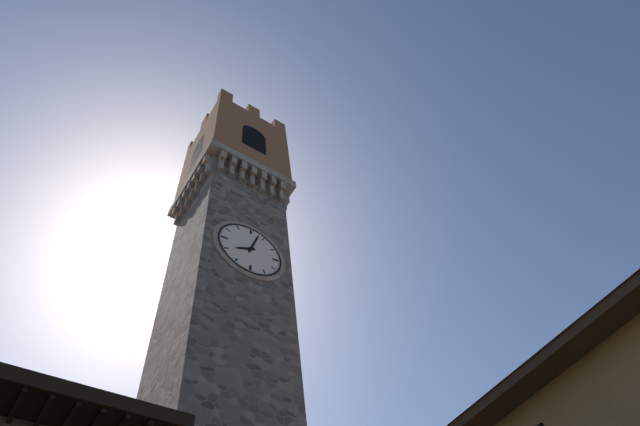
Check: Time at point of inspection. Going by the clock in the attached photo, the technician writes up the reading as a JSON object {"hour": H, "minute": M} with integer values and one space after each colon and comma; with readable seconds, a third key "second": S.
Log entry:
{"hour": 8, "minute": 3}
